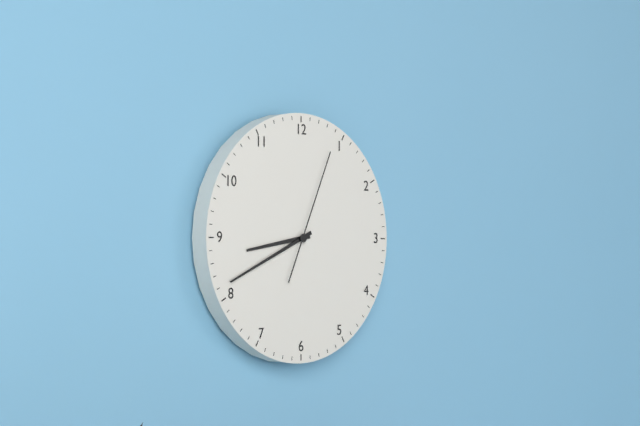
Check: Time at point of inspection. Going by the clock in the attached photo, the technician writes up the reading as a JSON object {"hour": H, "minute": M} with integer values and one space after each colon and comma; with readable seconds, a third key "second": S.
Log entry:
{"hour": 8, "minute": 41, "second": 4}
